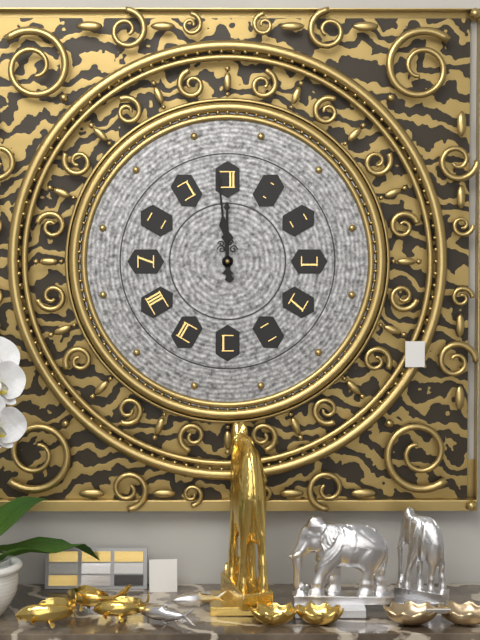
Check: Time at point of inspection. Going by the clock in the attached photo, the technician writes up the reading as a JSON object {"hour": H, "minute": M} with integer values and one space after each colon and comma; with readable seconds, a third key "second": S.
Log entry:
{"hour": 11, "minute": 59}
